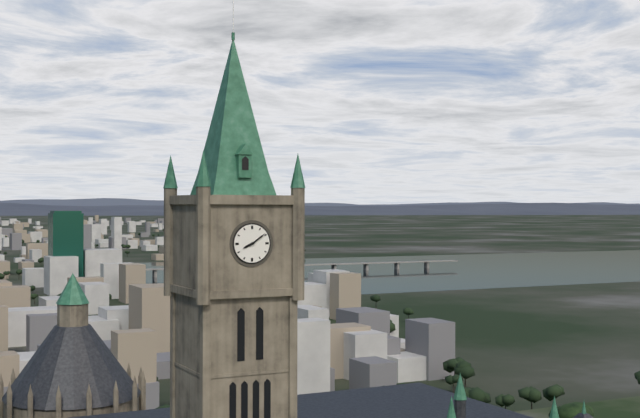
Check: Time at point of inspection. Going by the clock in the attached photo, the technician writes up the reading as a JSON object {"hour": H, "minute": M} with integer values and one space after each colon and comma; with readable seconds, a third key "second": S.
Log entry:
{"hour": 8, "minute": 9}
